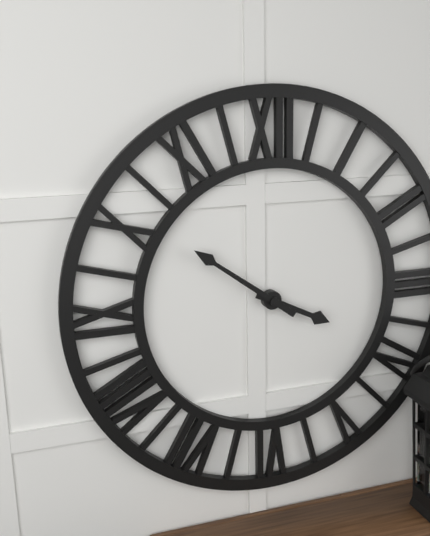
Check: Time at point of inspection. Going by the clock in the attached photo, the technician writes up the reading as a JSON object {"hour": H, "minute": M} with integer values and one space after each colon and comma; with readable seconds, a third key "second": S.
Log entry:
{"hour": 3, "minute": 51}
